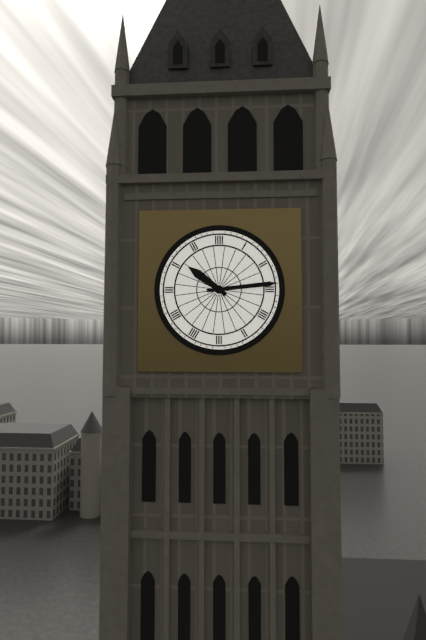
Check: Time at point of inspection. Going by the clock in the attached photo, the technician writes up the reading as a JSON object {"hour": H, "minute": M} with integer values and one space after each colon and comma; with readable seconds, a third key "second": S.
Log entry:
{"hour": 10, "minute": 14}
